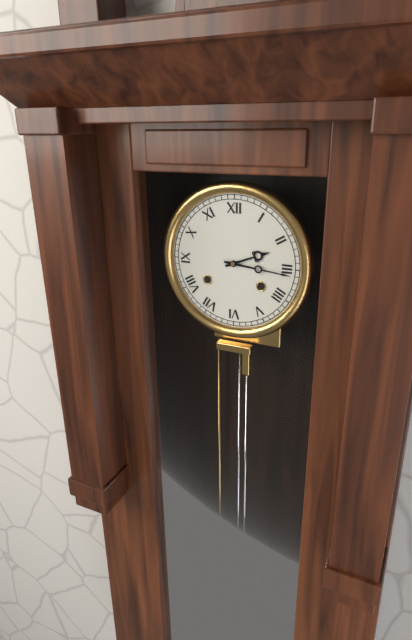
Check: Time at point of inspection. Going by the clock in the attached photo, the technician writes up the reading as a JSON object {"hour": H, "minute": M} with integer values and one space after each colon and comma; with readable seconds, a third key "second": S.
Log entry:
{"hour": 2, "minute": 16}
